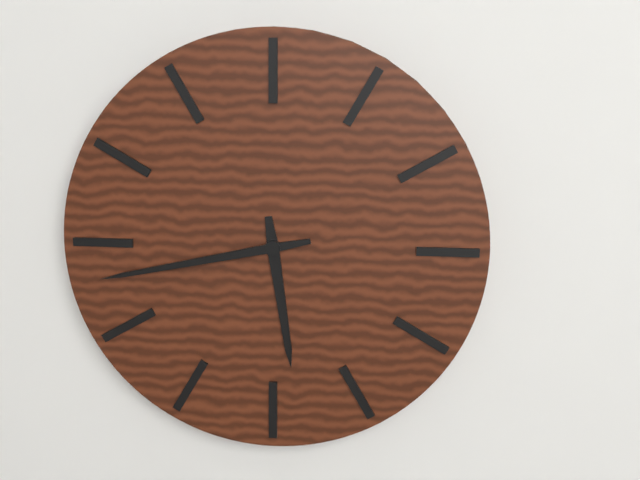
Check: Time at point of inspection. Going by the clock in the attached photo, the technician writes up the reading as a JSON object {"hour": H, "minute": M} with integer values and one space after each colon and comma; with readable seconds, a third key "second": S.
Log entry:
{"hour": 5, "minute": 43}
